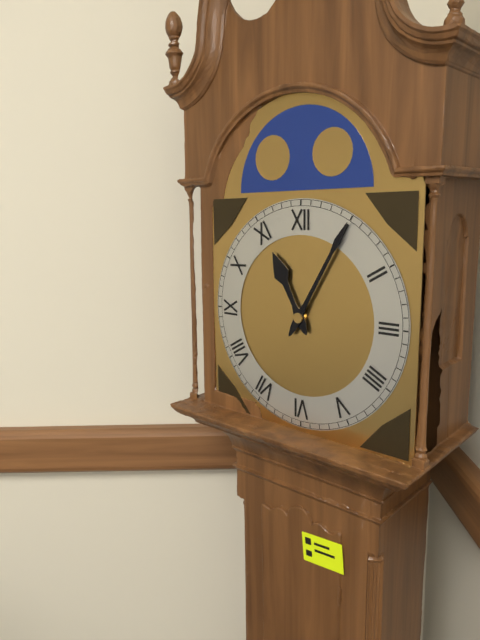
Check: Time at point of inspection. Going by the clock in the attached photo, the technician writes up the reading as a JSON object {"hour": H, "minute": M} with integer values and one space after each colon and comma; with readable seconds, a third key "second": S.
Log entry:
{"hour": 11, "minute": 5}
